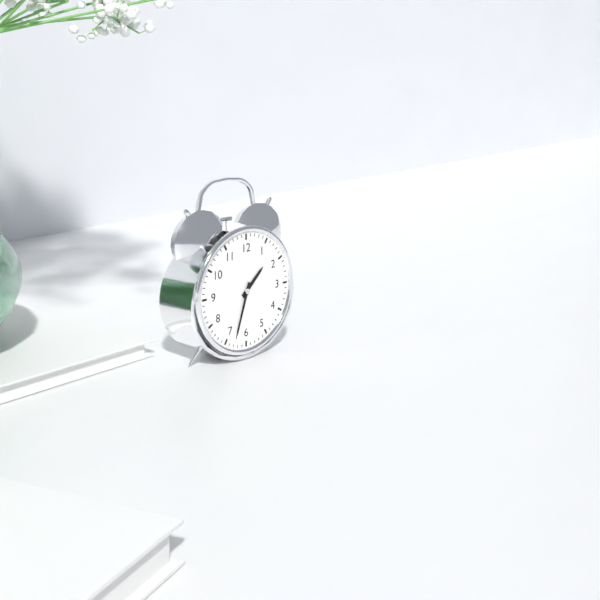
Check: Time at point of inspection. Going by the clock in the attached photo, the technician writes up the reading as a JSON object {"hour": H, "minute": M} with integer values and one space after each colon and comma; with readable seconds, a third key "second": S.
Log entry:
{"hour": 1, "minute": 33}
